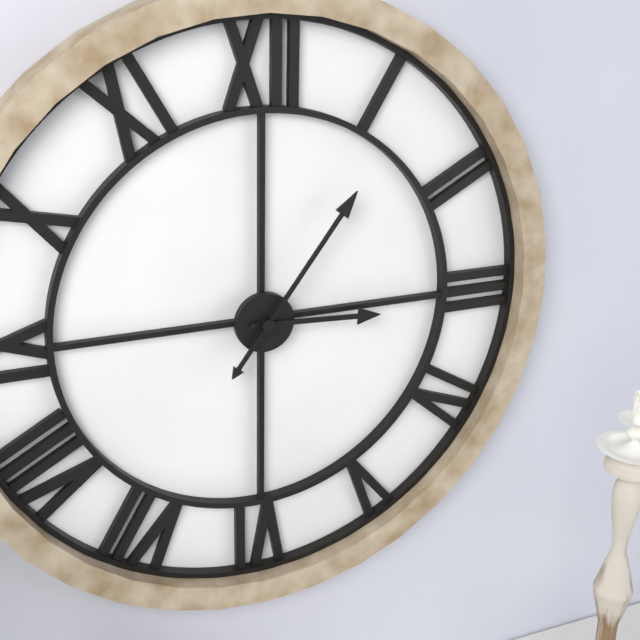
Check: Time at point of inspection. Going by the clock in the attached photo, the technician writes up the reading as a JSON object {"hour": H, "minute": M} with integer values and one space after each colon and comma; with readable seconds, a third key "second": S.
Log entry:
{"hour": 3, "minute": 6}
